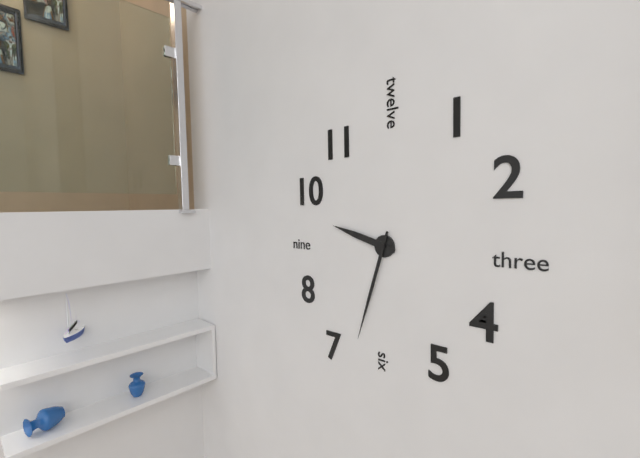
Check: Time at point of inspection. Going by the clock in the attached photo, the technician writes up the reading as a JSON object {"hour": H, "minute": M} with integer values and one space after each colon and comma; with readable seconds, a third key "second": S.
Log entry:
{"hour": 9, "minute": 33}
